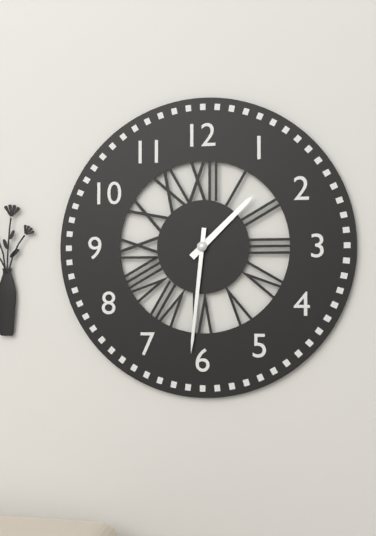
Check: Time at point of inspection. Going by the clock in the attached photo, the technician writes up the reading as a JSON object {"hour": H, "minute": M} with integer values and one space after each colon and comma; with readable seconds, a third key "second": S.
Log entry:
{"hour": 1, "minute": 31}
